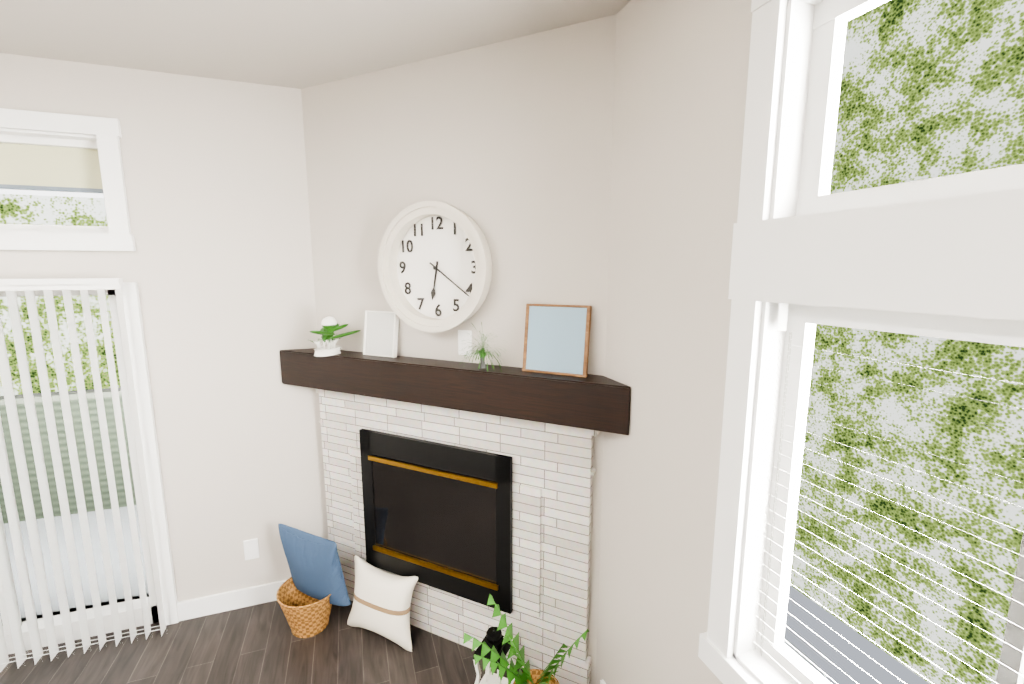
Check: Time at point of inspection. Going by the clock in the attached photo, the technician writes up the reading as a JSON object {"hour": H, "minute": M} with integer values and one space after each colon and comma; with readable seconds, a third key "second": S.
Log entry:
{"hour": 6, "minute": 21}
